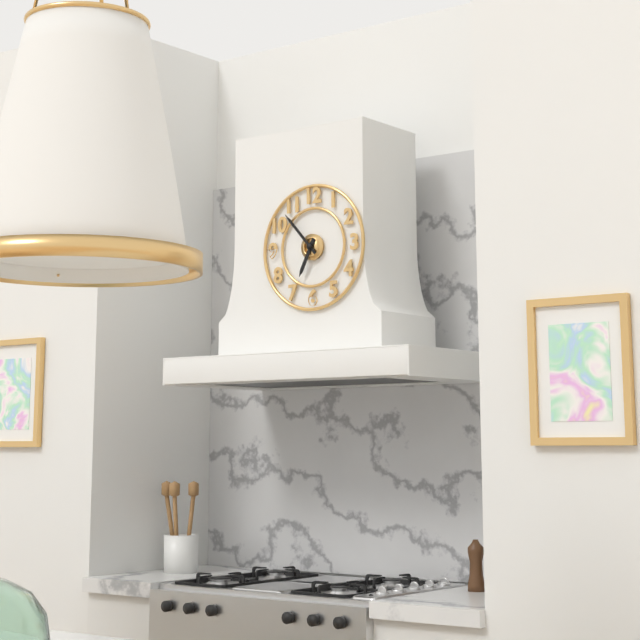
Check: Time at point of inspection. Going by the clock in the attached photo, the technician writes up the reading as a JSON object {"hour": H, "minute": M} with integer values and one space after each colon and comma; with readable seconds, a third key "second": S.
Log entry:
{"hour": 6, "minute": 53}
